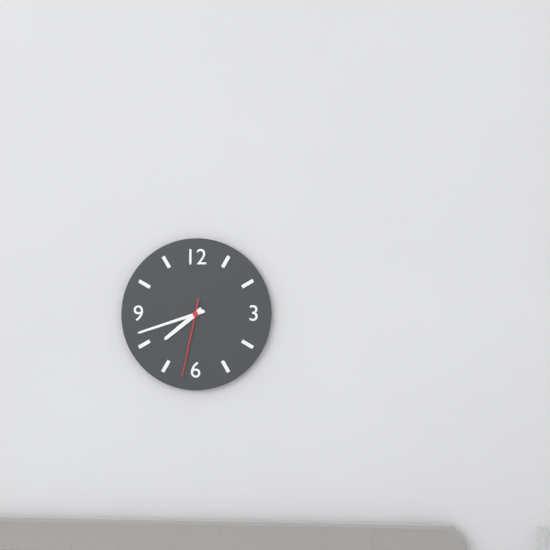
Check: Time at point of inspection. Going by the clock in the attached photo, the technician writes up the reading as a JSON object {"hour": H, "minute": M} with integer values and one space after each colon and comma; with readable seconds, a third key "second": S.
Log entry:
{"hour": 7, "minute": 42, "second": 32}
